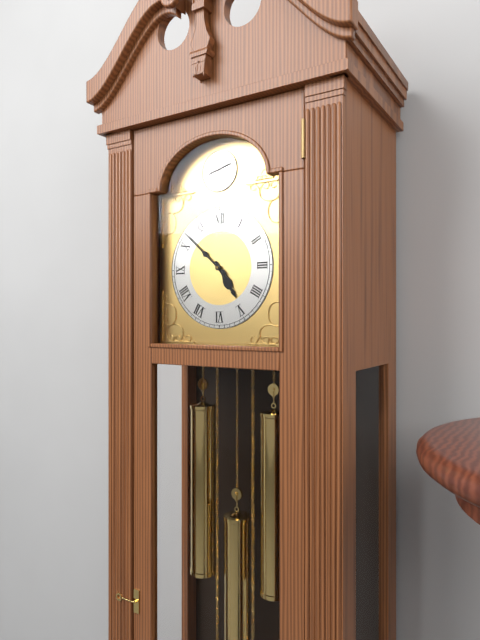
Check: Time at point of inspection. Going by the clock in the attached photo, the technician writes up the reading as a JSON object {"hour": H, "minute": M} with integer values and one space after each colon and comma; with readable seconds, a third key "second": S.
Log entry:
{"hour": 4, "minute": 52}
